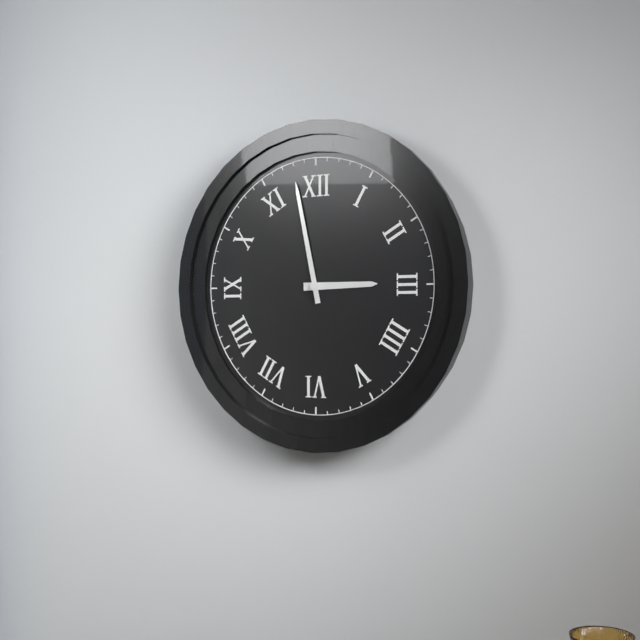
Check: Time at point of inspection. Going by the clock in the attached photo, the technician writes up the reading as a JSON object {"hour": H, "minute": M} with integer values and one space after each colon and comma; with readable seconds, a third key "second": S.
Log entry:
{"hour": 2, "minute": 58}
